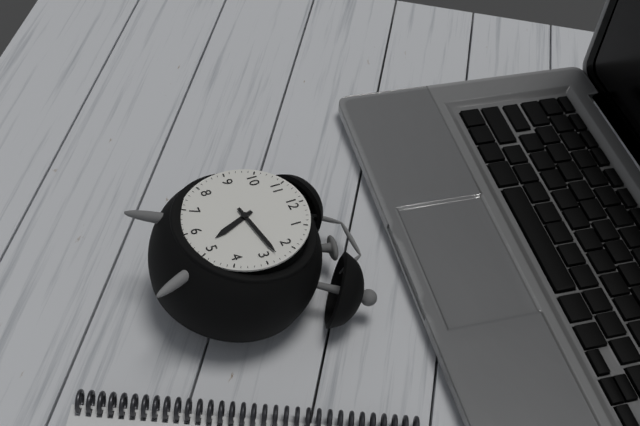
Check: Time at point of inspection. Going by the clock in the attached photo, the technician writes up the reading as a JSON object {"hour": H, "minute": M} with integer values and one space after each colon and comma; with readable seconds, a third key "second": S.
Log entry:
{"hour": 5, "minute": 13}
